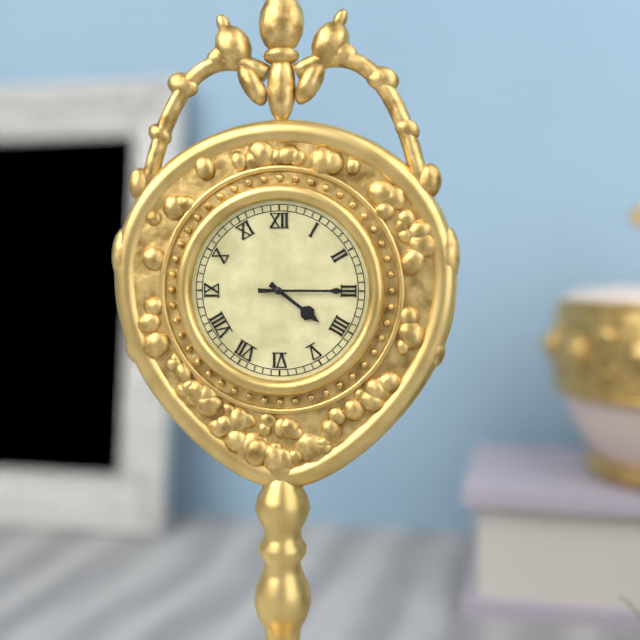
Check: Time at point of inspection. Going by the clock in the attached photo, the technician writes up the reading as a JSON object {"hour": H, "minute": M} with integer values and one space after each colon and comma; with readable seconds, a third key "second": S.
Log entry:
{"hour": 4, "minute": 15}
